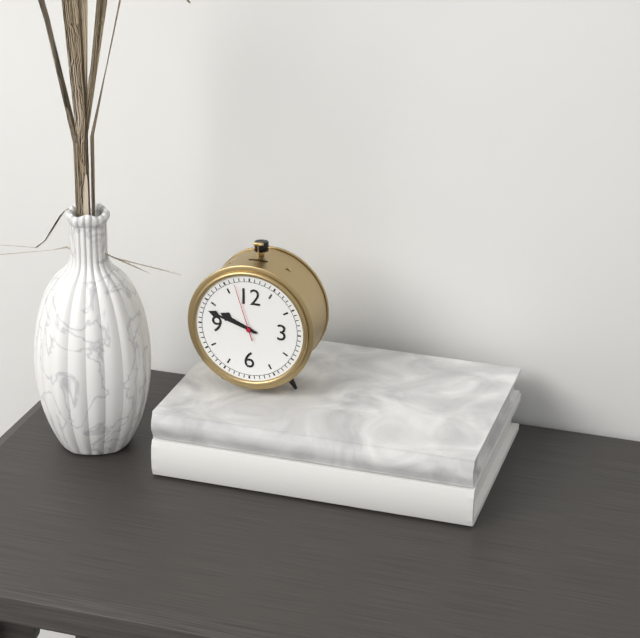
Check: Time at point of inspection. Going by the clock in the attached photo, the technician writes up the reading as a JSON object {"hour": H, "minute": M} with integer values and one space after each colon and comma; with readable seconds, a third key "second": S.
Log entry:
{"hour": 9, "minute": 48, "second": 57}
